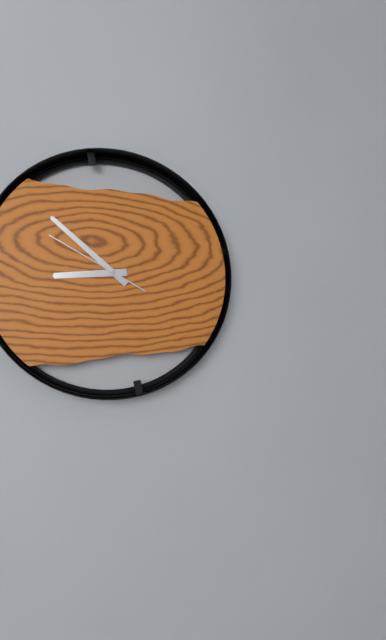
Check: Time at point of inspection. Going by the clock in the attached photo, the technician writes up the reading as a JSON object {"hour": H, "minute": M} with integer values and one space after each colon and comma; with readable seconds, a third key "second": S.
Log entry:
{"hour": 8, "minute": 52, "second": 50}
